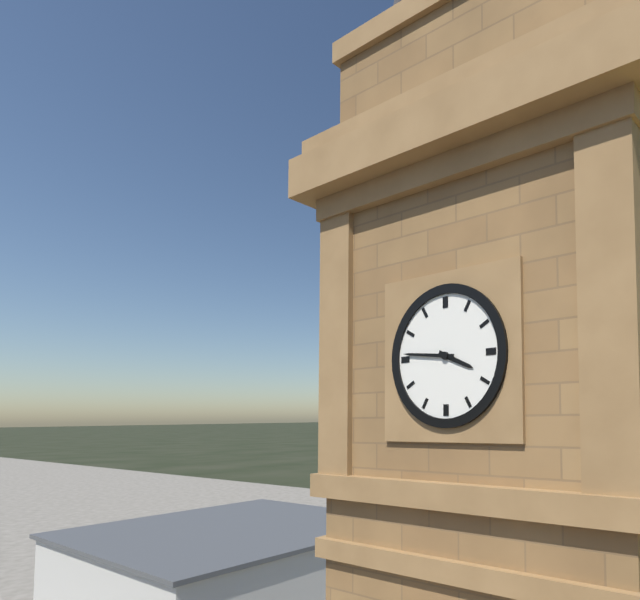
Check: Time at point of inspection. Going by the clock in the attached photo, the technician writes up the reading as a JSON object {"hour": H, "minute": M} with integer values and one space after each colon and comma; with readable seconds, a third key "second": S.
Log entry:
{"hour": 3, "minute": 46}
